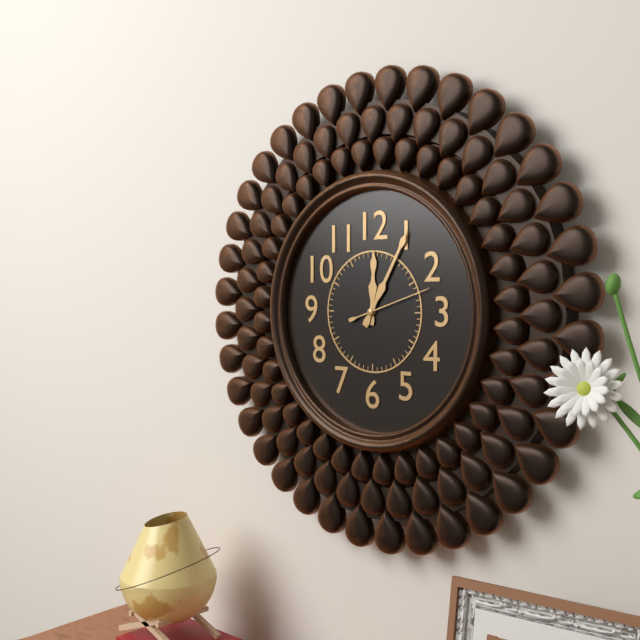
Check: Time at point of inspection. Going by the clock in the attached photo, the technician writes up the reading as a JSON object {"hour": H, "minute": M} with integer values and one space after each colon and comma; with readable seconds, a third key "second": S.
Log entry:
{"hour": 12, "minute": 5, "second": 12}
